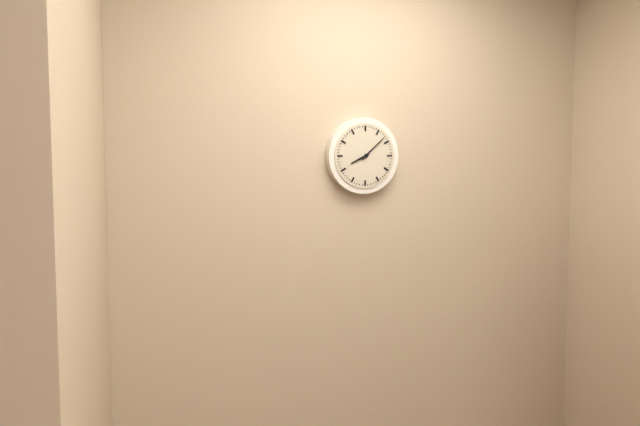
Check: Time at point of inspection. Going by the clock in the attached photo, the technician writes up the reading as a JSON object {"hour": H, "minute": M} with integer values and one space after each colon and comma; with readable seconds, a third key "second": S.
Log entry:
{"hour": 8, "minute": 8}
